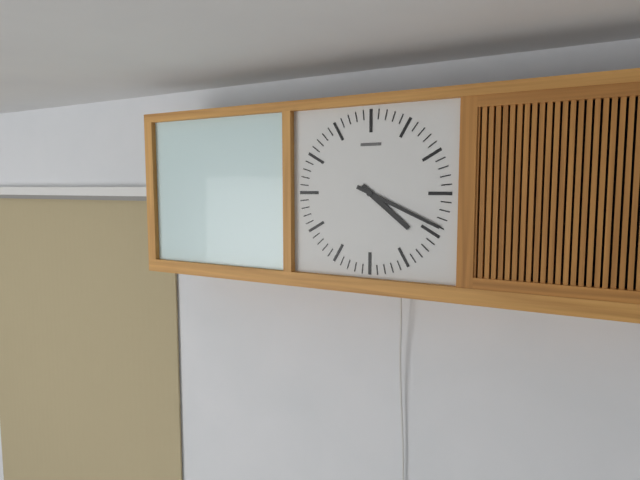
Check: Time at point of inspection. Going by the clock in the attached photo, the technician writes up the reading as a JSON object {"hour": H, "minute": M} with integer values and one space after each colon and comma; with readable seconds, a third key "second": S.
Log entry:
{"hour": 4, "minute": 19}
